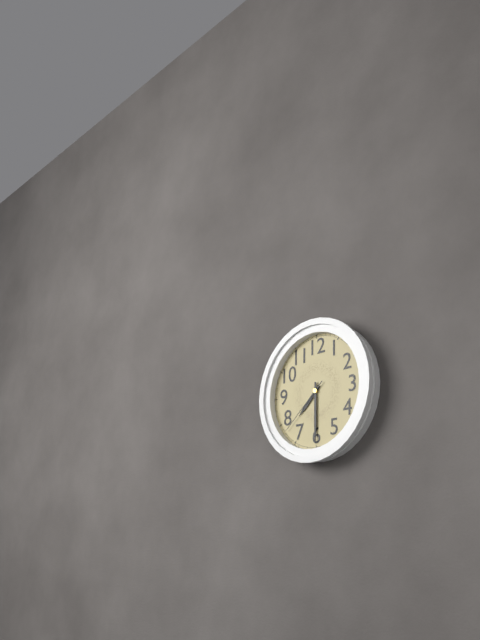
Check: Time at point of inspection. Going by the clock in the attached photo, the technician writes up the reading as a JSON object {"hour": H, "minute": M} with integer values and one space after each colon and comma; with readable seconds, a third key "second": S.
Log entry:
{"hour": 7, "minute": 30, "second": 38}
